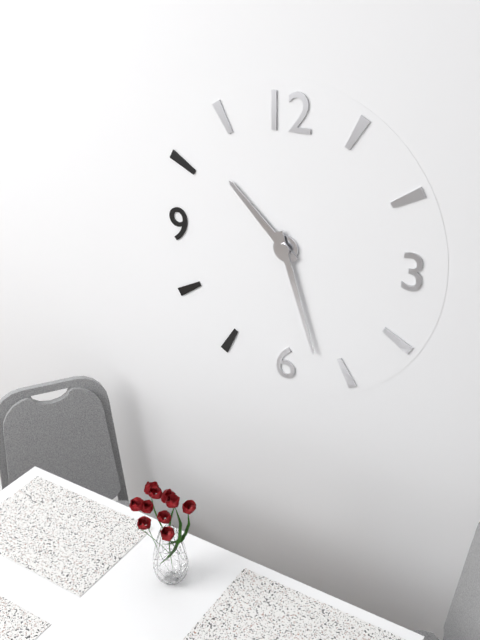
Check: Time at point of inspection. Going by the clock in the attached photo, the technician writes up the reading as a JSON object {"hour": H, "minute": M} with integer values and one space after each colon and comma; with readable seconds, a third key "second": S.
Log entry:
{"hour": 10, "minute": 27}
